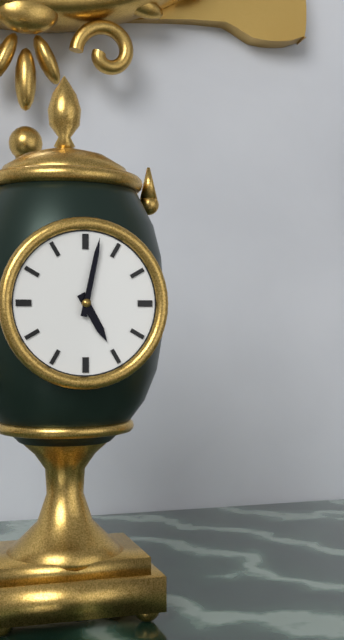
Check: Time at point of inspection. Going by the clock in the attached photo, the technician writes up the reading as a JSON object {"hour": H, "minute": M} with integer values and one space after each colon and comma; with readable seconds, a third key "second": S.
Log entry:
{"hour": 5, "minute": 2}
